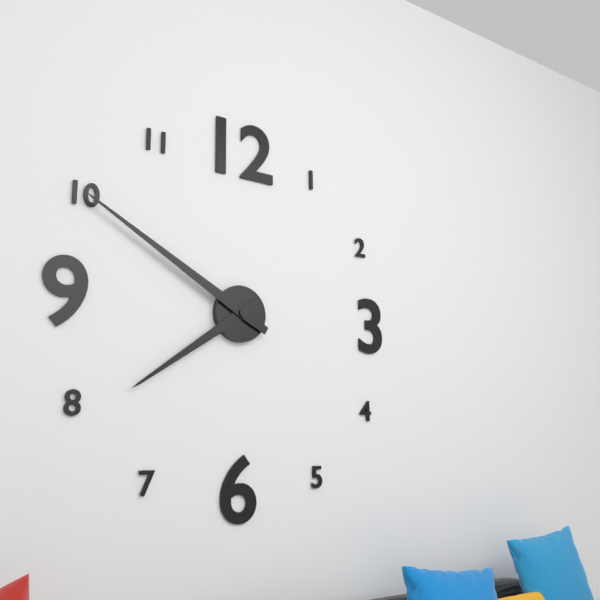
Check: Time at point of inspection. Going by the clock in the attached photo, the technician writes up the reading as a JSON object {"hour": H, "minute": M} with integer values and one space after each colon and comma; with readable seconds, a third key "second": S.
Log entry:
{"hour": 7, "minute": 50}
